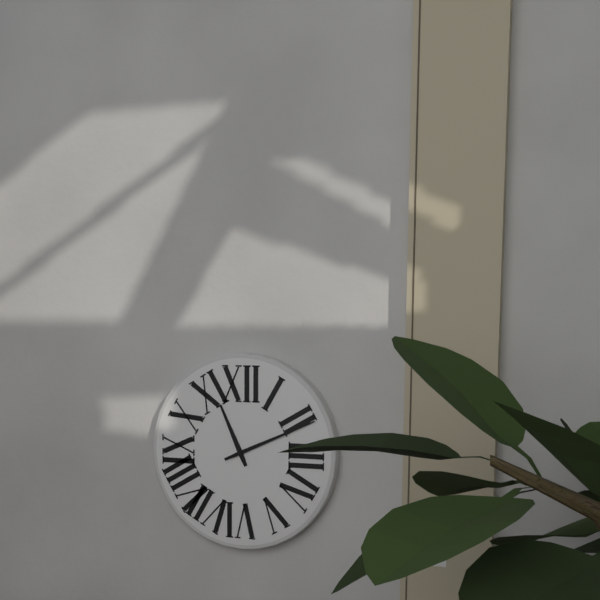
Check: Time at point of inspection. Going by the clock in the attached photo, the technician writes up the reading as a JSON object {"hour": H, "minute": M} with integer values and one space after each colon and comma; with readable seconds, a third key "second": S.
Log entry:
{"hour": 11, "minute": 11}
